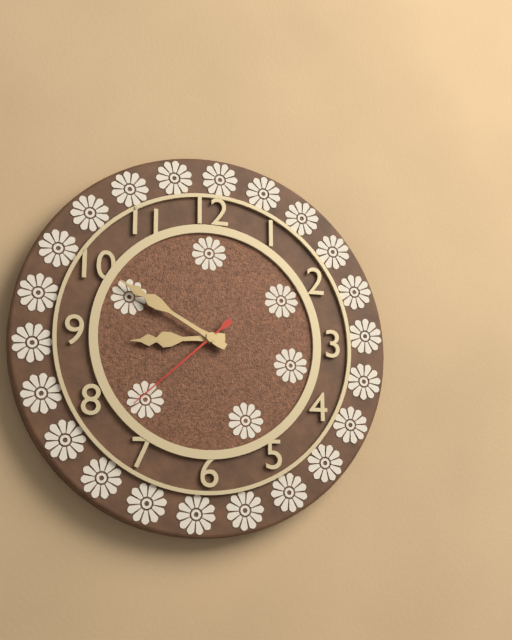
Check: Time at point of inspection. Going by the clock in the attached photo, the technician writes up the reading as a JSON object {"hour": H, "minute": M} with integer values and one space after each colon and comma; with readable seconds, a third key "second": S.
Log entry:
{"hour": 8, "minute": 50, "second": 38}
